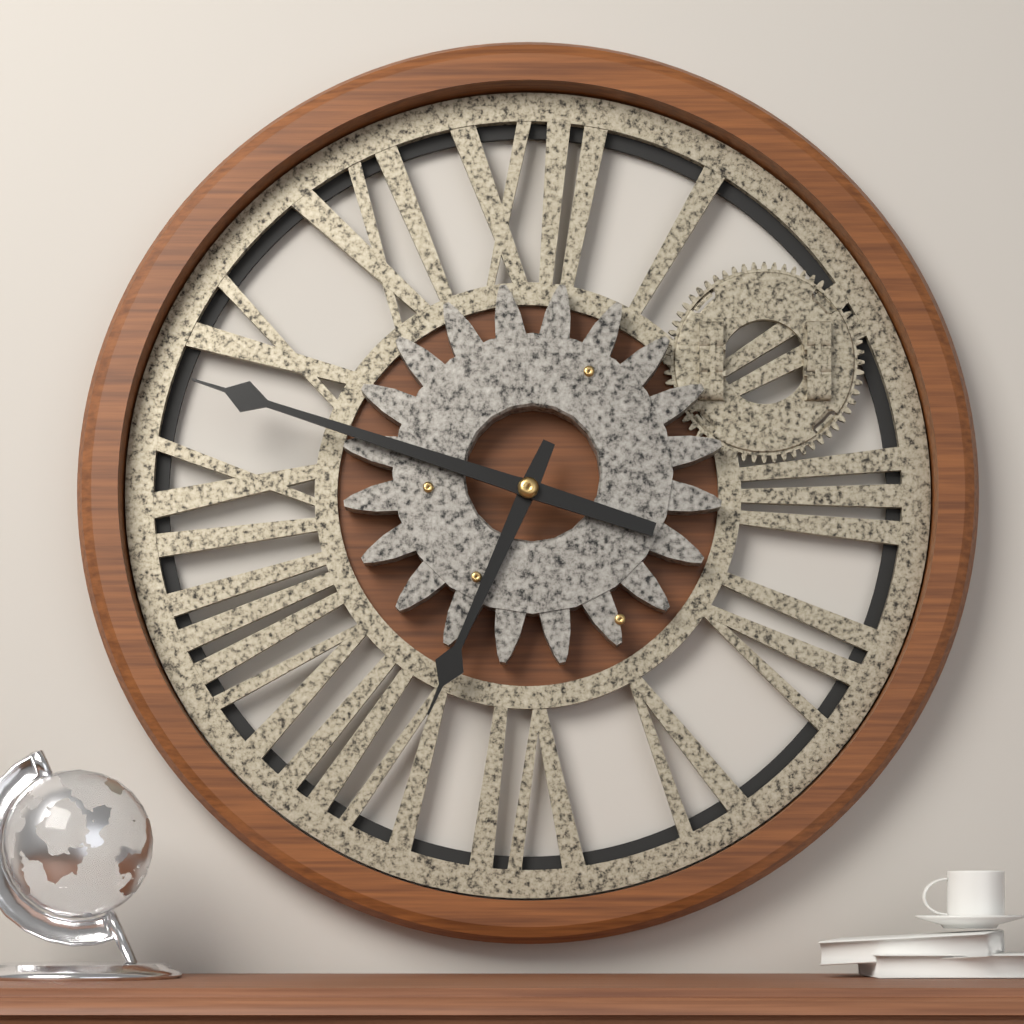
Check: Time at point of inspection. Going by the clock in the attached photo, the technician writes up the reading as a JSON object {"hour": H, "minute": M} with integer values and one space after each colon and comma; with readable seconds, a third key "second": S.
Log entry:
{"hour": 6, "minute": 48}
